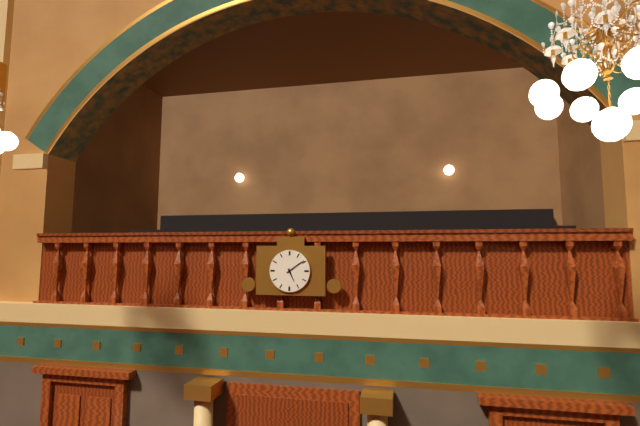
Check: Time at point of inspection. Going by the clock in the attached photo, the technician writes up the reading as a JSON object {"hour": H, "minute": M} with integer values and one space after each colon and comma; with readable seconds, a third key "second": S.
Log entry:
{"hour": 5, "minute": 9}
